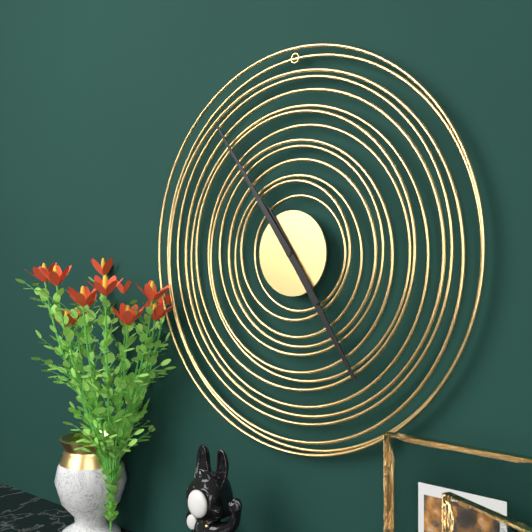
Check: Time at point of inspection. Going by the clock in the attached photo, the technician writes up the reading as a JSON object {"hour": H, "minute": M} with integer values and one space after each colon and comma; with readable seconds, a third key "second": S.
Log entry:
{"hour": 4, "minute": 54}
